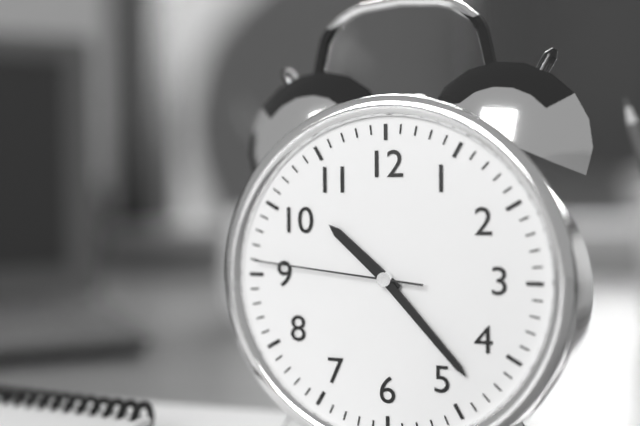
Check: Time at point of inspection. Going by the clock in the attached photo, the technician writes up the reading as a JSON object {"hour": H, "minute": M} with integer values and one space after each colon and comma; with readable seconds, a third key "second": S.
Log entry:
{"hour": 10, "minute": 23, "second": 46}
